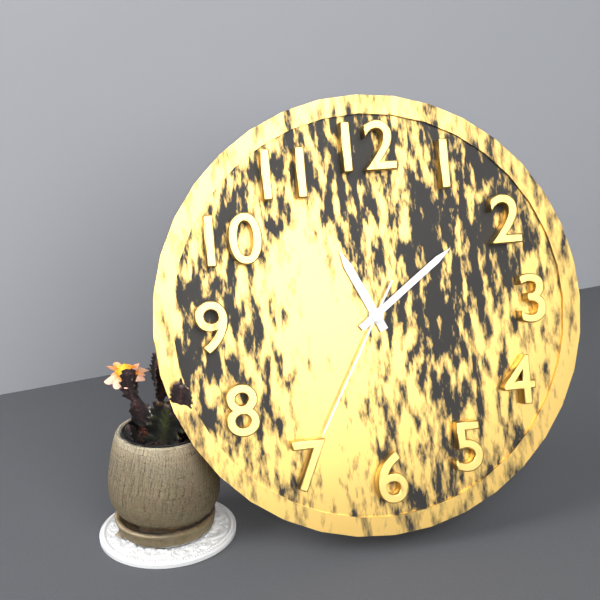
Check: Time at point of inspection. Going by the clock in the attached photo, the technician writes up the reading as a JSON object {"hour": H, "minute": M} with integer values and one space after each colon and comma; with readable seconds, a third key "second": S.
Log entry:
{"hour": 11, "minute": 9, "second": 35}
